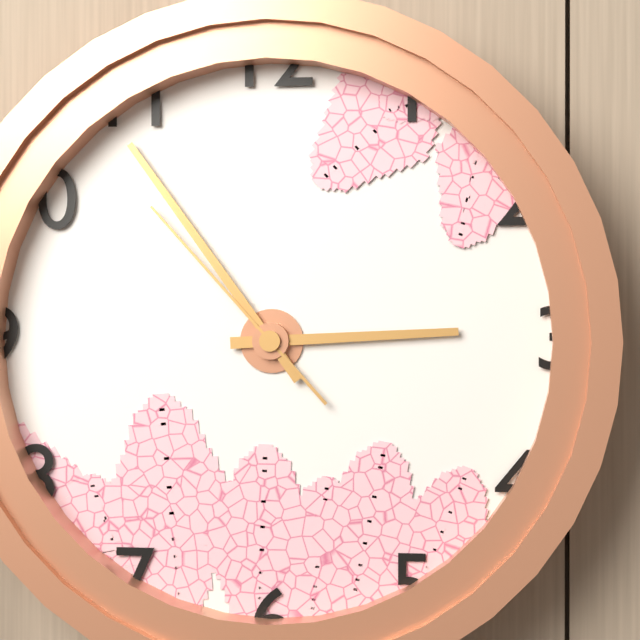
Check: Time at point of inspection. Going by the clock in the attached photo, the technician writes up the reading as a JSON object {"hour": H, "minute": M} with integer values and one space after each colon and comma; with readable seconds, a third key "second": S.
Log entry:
{"hour": 2, "minute": 54, "second": 53}
